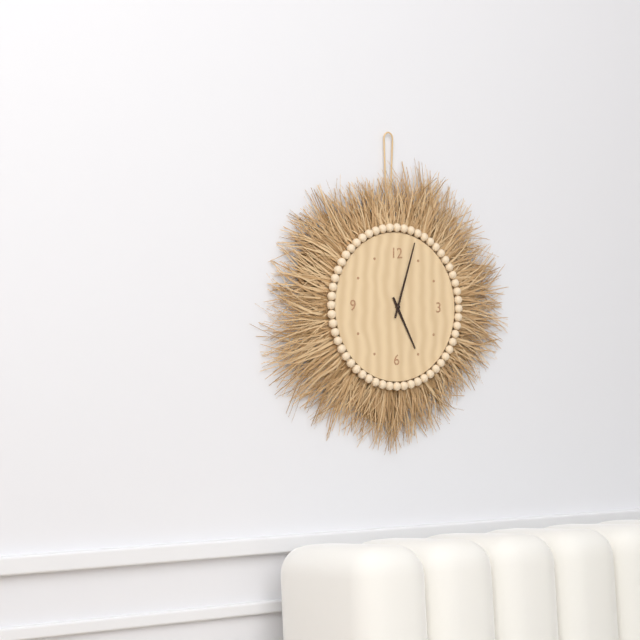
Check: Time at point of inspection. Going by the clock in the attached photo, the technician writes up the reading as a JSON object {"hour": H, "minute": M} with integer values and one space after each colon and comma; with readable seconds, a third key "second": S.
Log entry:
{"hour": 5, "minute": 3}
